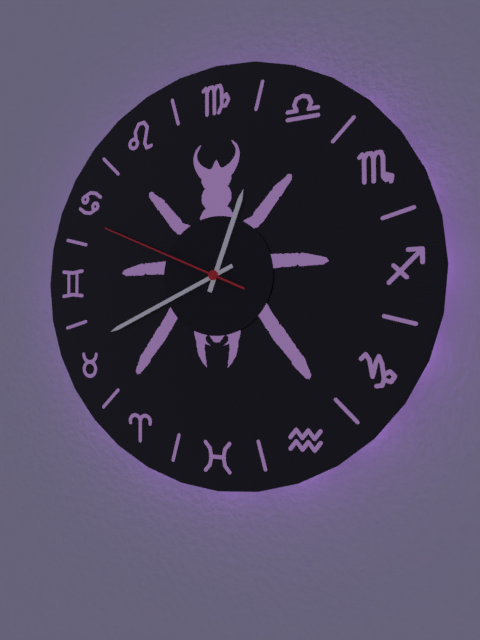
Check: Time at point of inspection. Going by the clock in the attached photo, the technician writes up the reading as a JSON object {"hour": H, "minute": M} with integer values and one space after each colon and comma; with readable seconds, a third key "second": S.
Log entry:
{"hour": 12, "minute": 41, "second": 49}
